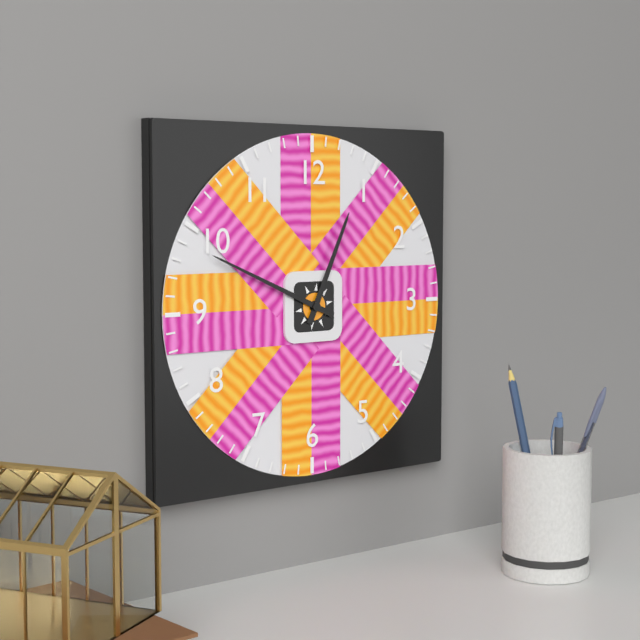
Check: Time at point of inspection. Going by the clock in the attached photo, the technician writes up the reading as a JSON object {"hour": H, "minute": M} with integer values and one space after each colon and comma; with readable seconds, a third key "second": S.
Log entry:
{"hour": 12, "minute": 49}
